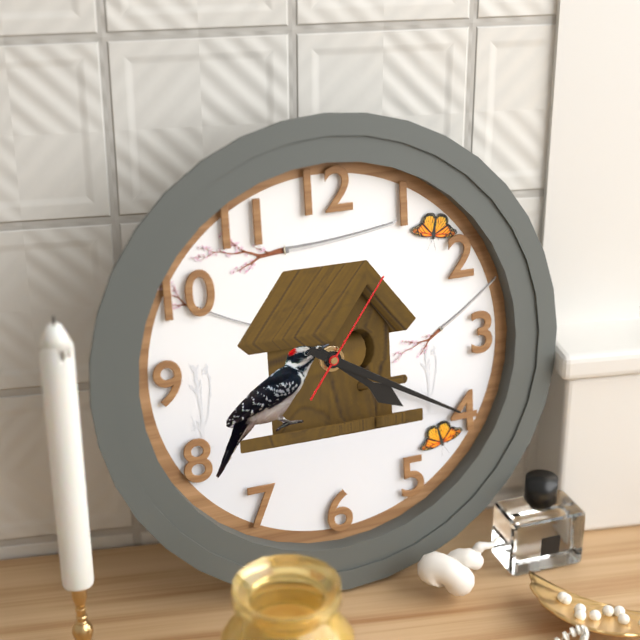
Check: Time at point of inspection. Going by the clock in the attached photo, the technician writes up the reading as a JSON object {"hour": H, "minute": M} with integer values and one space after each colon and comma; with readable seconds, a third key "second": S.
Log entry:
{"hour": 4, "minute": 20, "second": 6}
